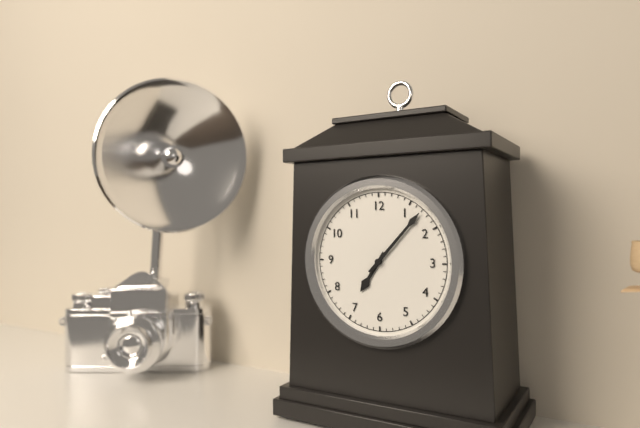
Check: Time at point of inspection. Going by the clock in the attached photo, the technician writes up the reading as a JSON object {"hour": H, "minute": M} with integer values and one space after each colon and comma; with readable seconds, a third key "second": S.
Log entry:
{"hour": 7, "minute": 7}
